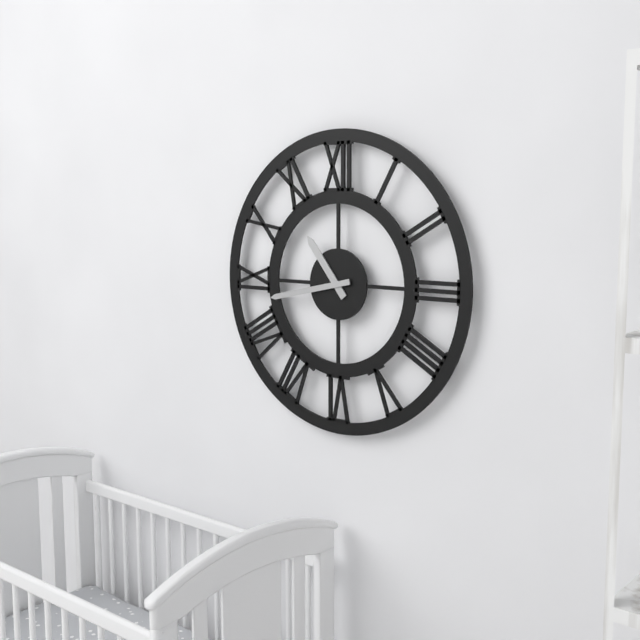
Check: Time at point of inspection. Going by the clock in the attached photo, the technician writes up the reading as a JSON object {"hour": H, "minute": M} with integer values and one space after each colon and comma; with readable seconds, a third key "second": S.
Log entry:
{"hour": 10, "minute": 43}
